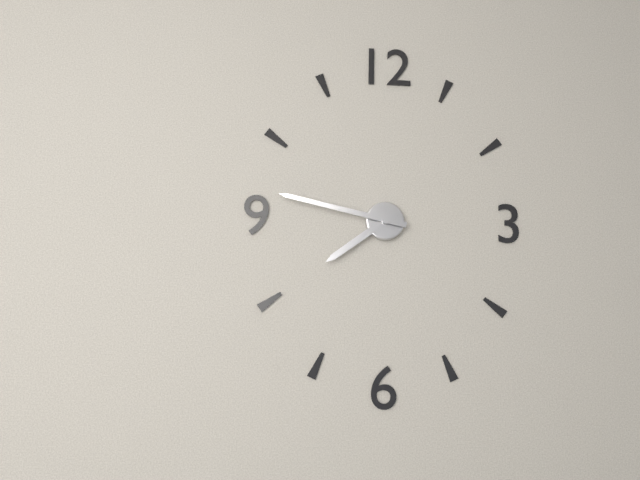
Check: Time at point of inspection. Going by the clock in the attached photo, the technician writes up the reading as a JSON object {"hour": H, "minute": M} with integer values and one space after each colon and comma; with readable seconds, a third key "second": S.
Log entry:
{"hour": 7, "minute": 47}
